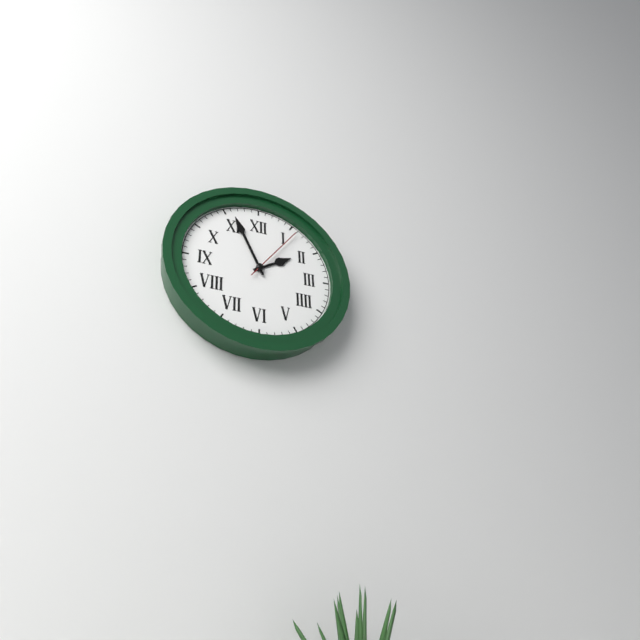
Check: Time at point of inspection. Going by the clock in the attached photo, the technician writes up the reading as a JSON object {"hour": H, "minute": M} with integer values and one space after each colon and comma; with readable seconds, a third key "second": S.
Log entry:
{"hour": 1, "minute": 56, "second": 6}
